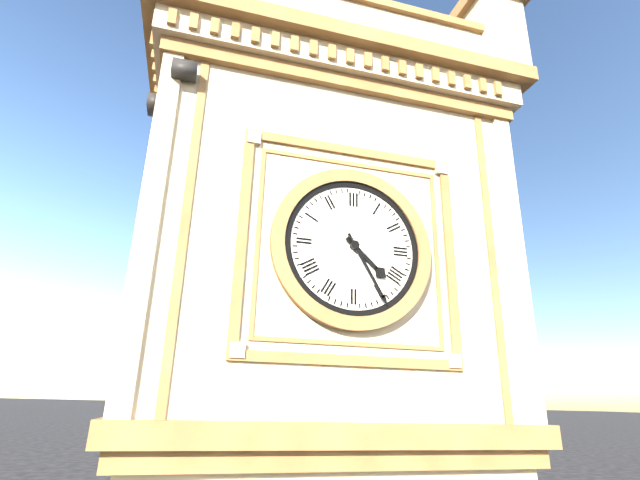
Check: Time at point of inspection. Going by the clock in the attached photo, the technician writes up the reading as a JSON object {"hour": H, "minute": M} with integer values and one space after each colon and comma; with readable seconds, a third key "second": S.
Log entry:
{"hour": 4, "minute": 25}
